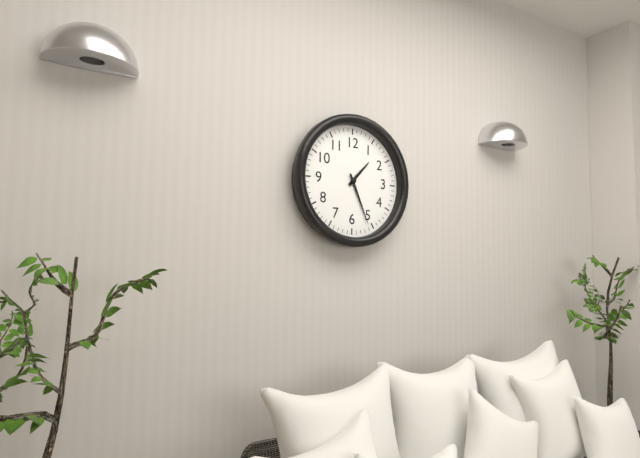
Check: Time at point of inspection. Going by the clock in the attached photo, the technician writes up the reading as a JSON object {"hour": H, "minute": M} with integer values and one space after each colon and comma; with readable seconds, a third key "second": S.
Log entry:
{"hour": 1, "minute": 26}
